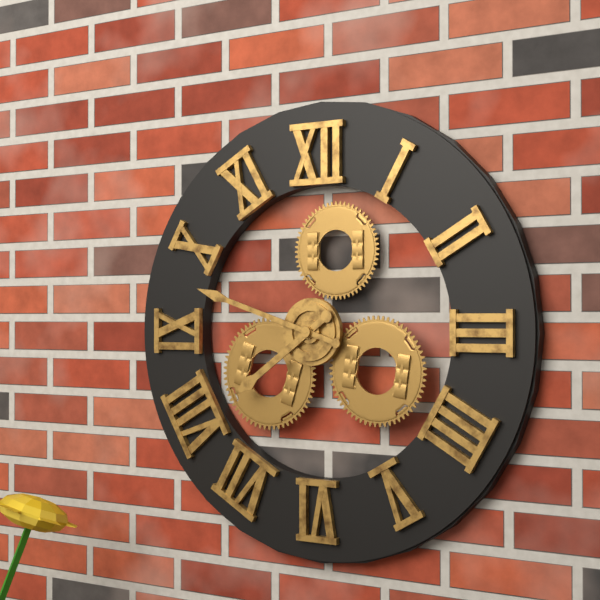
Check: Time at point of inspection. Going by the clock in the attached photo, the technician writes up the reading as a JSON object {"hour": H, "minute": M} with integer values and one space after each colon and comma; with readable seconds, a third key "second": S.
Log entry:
{"hour": 7, "minute": 48}
